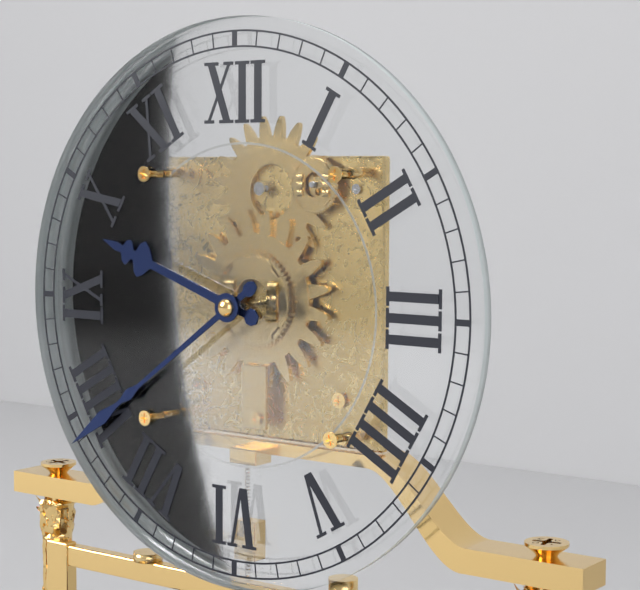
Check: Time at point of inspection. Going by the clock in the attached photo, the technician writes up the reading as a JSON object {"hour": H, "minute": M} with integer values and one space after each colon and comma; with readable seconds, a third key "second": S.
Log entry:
{"hour": 9, "minute": 39}
